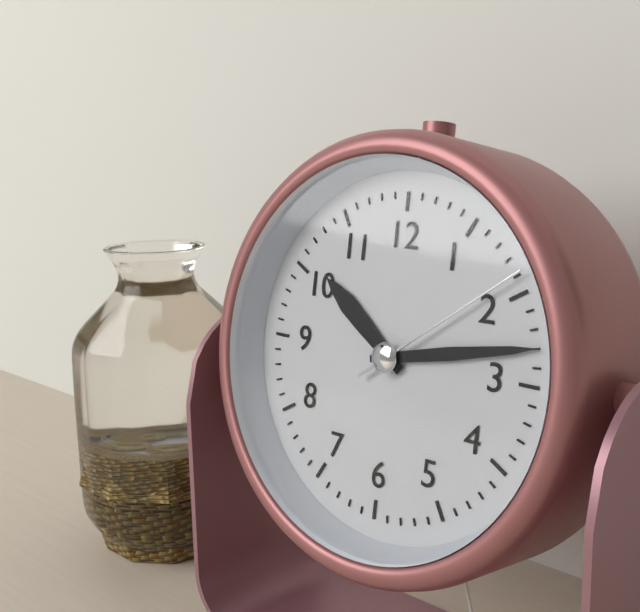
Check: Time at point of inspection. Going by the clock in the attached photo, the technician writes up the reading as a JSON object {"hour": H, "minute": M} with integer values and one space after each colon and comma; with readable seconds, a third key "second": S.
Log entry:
{"hour": 10, "minute": 13, "second": 9}
